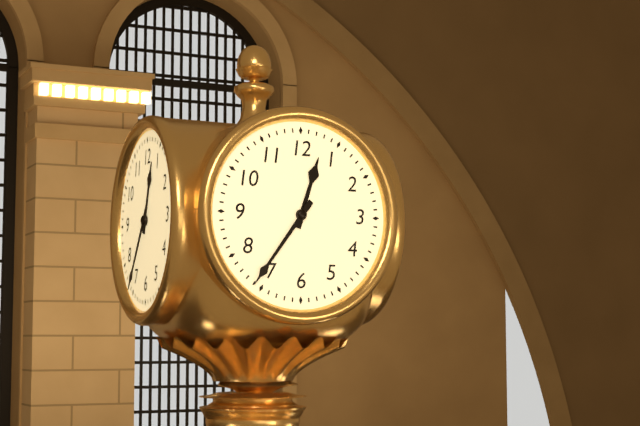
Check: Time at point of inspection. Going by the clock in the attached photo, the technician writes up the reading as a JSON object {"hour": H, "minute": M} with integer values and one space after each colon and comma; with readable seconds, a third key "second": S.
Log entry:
{"hour": 12, "minute": 36}
